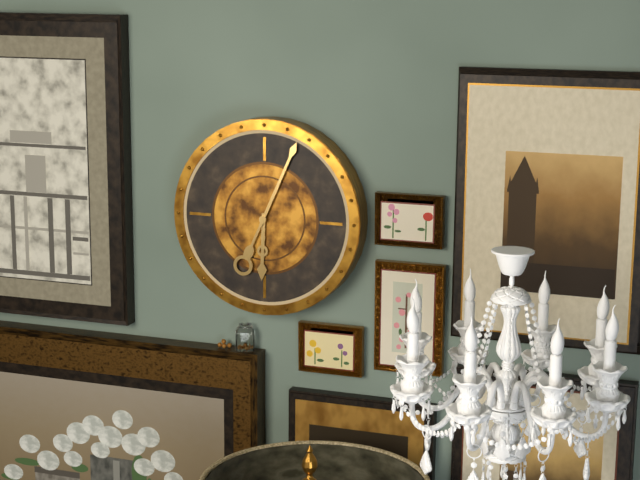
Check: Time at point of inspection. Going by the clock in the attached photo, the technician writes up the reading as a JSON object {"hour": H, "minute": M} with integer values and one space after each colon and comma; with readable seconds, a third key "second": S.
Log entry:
{"hour": 6, "minute": 4}
